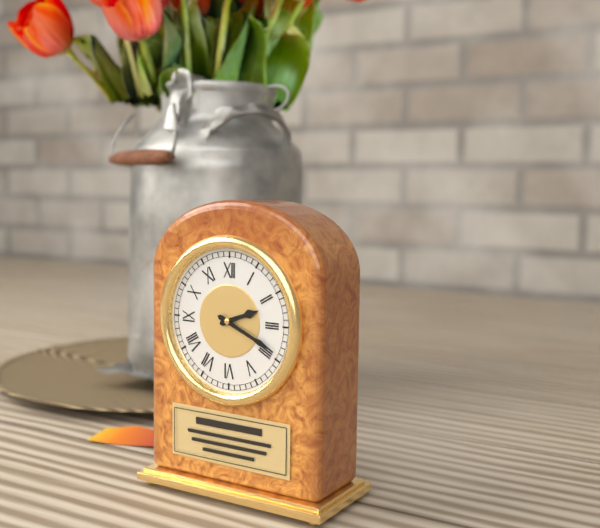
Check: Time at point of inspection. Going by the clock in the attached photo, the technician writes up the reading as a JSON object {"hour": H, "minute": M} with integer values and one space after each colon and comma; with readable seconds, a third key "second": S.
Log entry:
{"hour": 2, "minute": 19}
